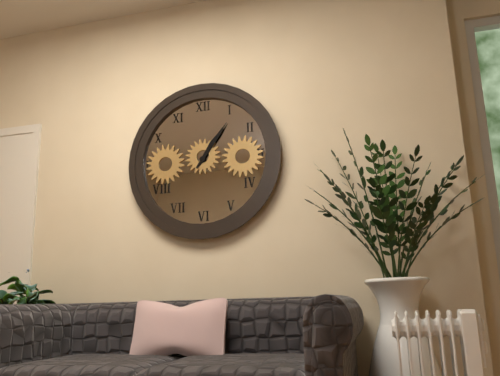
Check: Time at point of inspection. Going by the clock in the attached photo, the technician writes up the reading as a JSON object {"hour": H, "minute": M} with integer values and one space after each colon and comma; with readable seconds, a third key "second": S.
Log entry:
{"hour": 1, "minute": 6}
